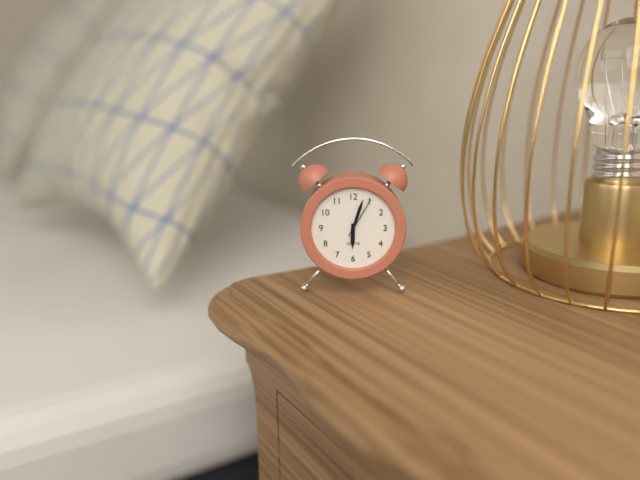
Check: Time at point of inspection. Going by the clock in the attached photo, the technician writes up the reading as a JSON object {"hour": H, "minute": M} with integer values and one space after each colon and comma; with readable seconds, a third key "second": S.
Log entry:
{"hour": 6, "minute": 3}
